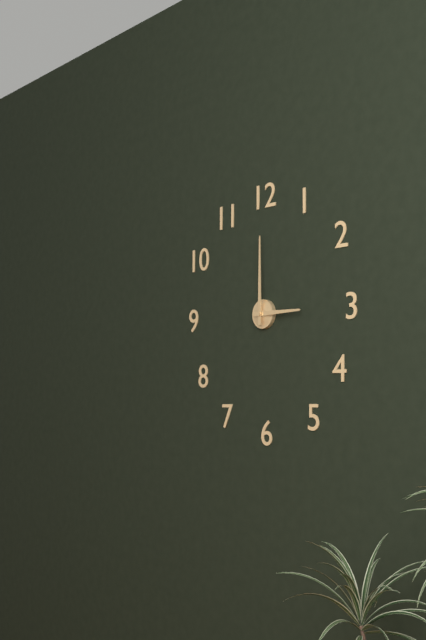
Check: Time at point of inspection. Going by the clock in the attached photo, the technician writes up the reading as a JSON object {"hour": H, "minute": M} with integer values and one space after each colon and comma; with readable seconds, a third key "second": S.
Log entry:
{"hour": 3, "minute": 0}
